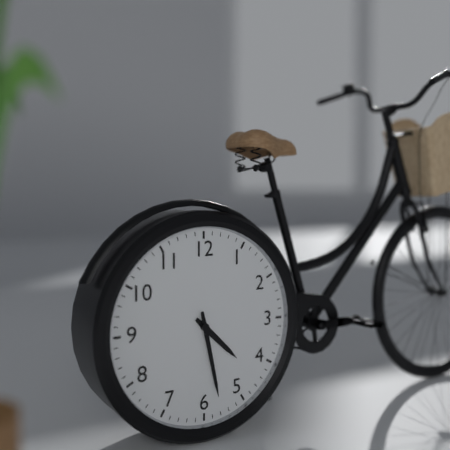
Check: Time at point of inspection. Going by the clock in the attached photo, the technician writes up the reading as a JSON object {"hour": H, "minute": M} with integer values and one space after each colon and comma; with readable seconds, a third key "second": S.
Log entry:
{"hour": 4, "minute": 28}
